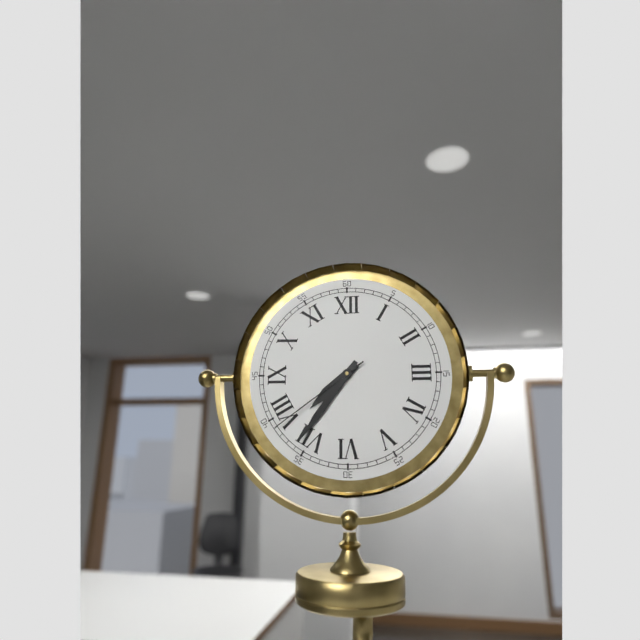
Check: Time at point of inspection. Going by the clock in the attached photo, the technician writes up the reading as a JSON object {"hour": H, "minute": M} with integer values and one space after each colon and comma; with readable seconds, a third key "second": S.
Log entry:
{"hour": 7, "minute": 36, "second": 39}
